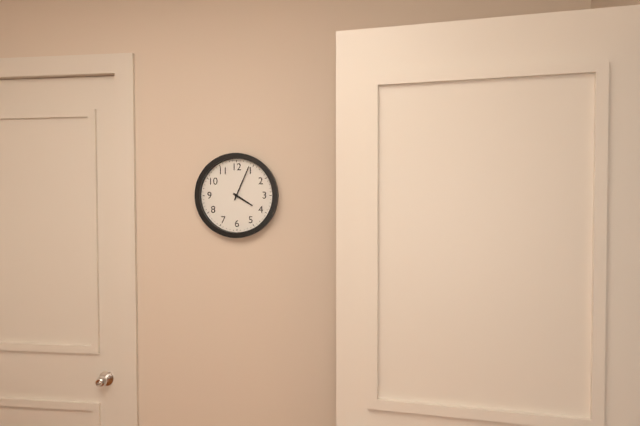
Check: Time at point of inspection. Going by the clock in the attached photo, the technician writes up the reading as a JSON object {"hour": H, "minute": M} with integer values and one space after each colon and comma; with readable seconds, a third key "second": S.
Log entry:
{"hour": 4, "minute": 4}
